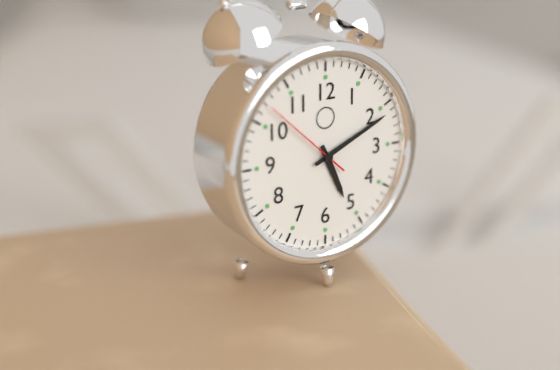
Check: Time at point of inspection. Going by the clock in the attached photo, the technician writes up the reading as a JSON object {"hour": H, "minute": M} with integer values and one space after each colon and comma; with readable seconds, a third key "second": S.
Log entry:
{"hour": 5, "minute": 11, "second": 52}
